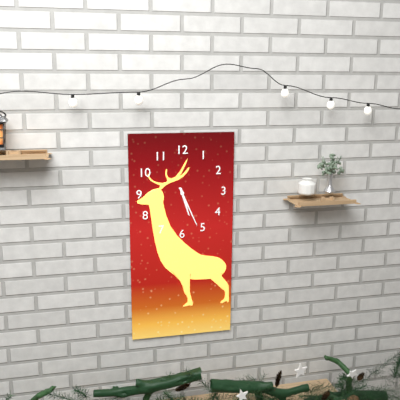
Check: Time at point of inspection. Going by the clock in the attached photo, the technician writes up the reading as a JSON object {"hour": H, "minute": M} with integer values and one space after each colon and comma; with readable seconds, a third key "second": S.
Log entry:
{"hour": 5, "minute": 26}
